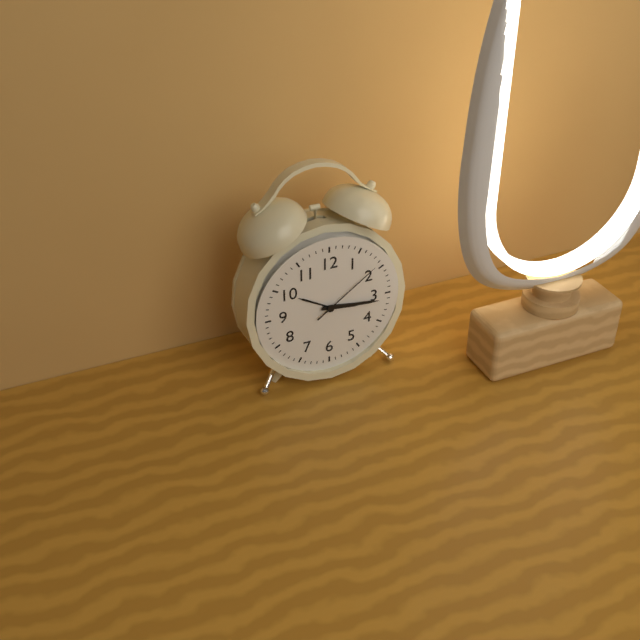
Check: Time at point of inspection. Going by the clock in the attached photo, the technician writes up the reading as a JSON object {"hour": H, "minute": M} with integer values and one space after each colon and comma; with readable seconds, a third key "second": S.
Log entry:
{"hour": 3, "minute": 16, "second": 9}
